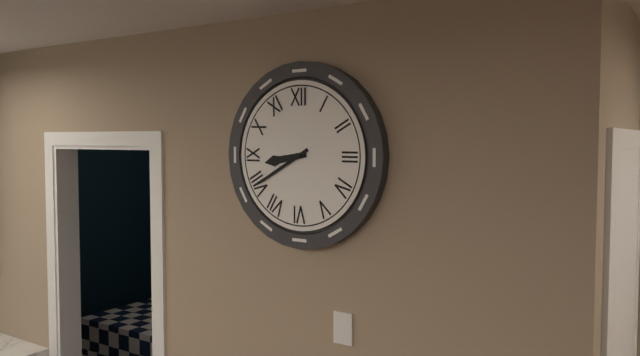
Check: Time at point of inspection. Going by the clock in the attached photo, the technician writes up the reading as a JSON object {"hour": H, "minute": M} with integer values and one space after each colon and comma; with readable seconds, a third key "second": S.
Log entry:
{"hour": 8, "minute": 40}
